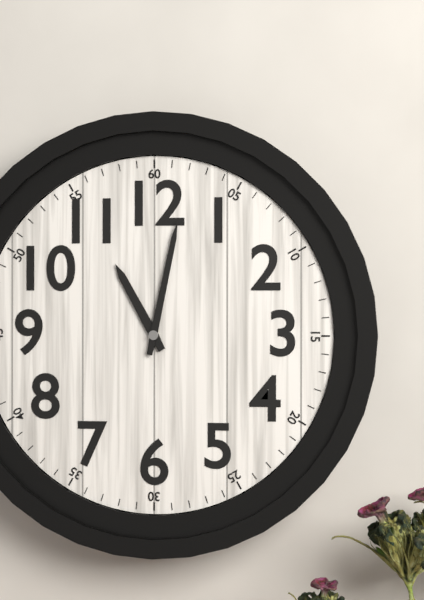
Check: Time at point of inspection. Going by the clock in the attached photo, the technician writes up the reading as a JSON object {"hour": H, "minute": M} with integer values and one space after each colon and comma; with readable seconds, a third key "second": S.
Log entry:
{"hour": 11, "minute": 2}
